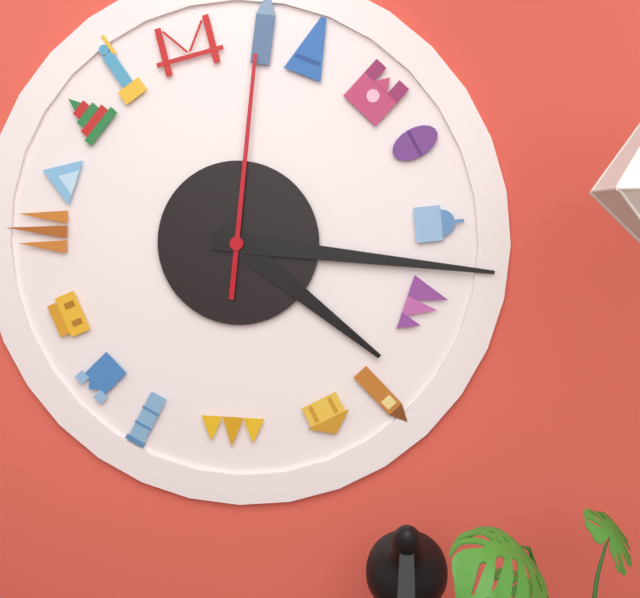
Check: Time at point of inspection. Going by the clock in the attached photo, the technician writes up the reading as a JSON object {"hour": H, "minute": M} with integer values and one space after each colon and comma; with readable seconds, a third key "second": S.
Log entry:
{"hour": 4, "minute": 16, "second": 1}
